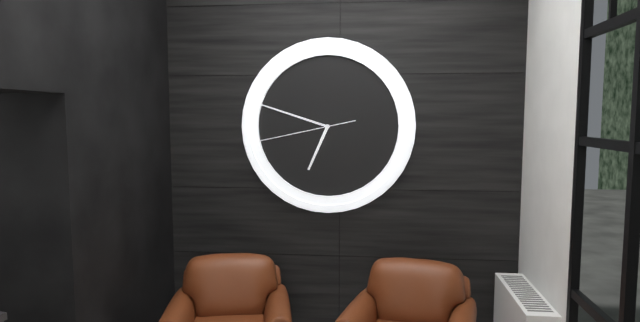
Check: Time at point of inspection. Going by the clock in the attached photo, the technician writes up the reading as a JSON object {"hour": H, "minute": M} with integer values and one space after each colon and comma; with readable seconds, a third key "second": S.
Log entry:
{"hour": 6, "minute": 48, "second": 43}
